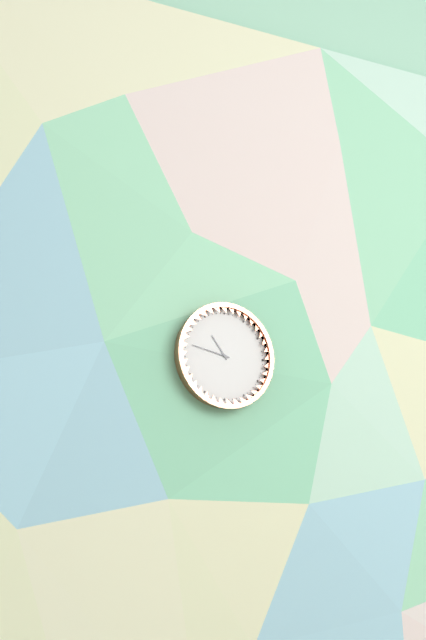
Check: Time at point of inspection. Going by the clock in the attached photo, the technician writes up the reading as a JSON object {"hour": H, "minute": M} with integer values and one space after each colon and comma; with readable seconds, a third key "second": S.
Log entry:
{"hour": 10, "minute": 47}
